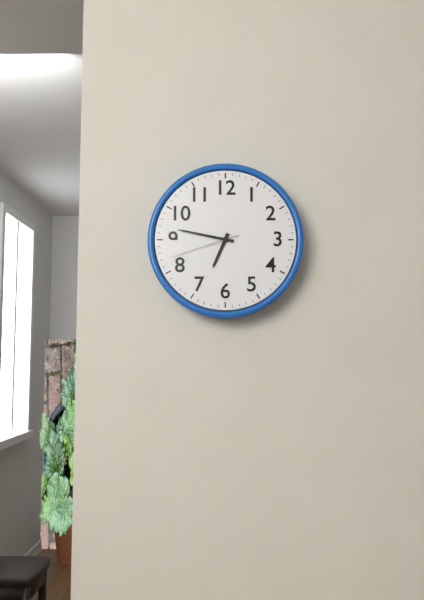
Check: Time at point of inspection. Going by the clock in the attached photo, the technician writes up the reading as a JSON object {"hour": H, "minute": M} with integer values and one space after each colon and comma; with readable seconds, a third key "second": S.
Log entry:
{"hour": 6, "minute": 47, "second": 42}
